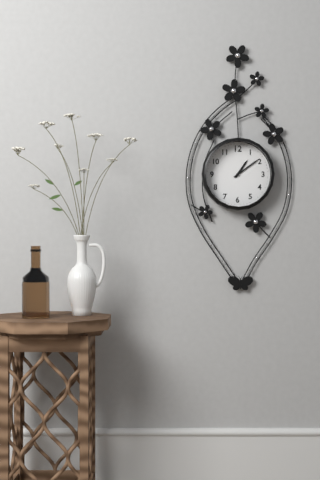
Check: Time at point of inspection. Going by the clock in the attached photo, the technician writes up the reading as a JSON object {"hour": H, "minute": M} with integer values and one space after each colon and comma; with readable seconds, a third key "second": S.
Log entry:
{"hour": 1, "minute": 9}
